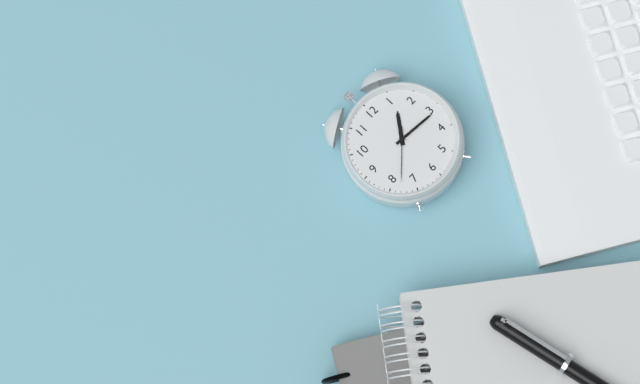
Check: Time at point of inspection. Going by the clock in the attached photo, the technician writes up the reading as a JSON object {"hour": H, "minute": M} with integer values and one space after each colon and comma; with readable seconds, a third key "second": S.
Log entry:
{"hour": 1, "minute": 16, "second": 38}
